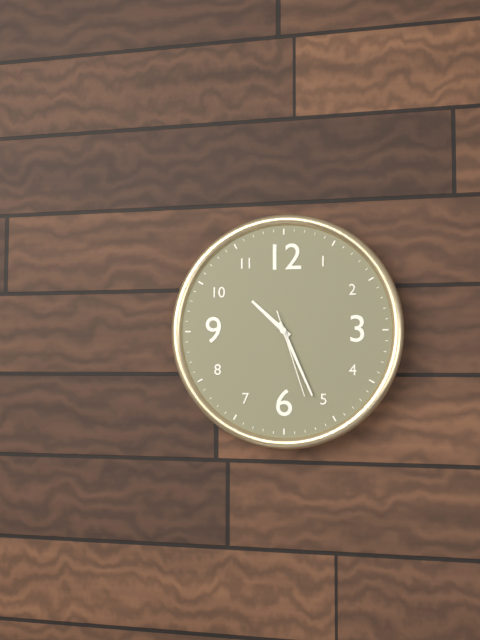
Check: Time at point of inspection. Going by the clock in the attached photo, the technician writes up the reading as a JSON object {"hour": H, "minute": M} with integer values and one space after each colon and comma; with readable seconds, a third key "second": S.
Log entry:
{"hour": 10, "minute": 26, "second": 27}
